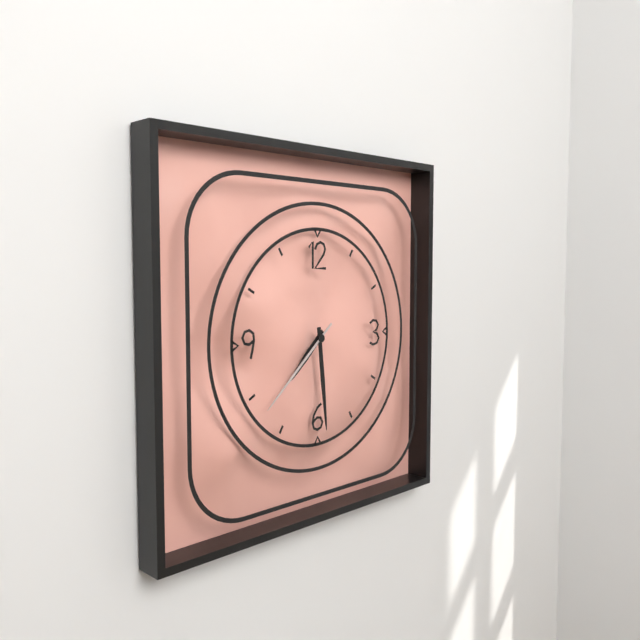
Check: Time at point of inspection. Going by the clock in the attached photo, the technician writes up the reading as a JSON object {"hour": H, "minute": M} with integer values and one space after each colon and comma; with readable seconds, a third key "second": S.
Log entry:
{"hour": 7, "minute": 29, "second": 38}
